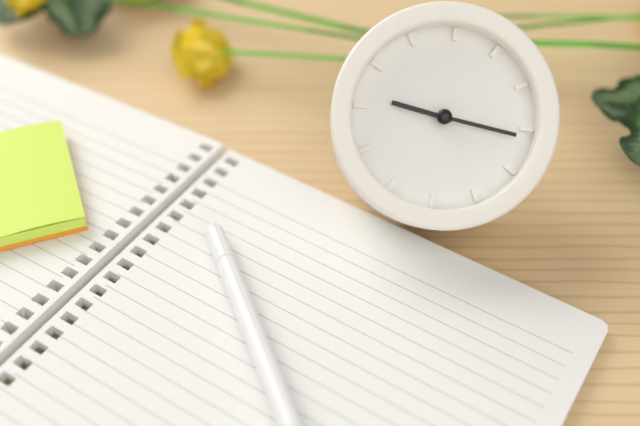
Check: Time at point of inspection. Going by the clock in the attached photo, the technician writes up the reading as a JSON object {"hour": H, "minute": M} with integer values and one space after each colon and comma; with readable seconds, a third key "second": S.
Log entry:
{"hour": 9, "minute": 16}
